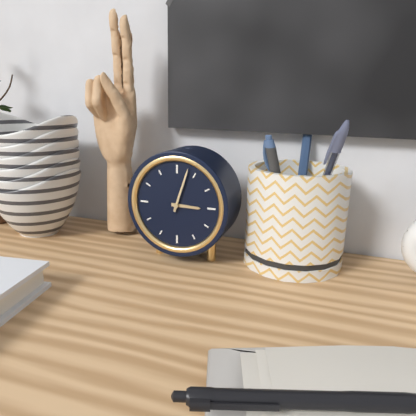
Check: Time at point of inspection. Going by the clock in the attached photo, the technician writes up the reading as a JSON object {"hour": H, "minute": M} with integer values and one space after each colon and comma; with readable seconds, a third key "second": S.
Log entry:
{"hour": 3, "minute": 3}
